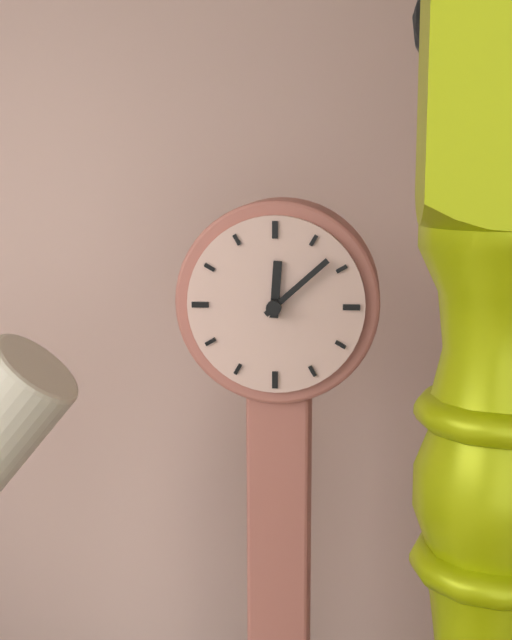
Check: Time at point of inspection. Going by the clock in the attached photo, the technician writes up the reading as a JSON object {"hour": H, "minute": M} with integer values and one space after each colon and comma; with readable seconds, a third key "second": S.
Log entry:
{"hour": 12, "minute": 8}
